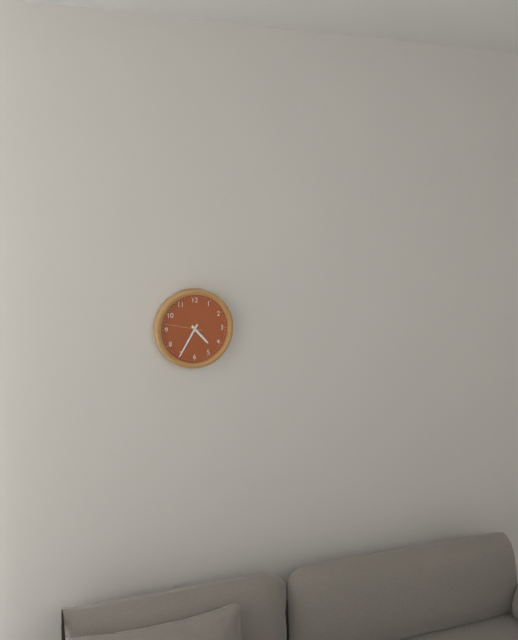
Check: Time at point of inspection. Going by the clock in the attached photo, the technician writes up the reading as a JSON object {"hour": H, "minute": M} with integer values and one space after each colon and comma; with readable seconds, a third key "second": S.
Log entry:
{"hour": 4, "minute": 35}
